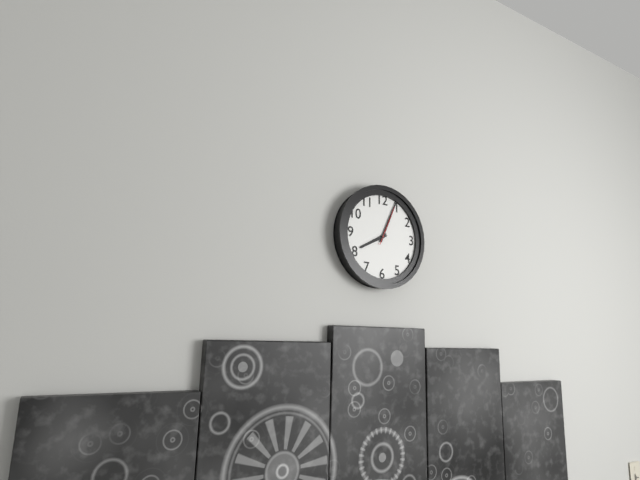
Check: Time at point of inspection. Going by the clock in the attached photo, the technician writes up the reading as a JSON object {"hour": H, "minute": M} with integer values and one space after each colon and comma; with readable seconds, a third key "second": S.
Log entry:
{"hour": 8, "minute": 4}
